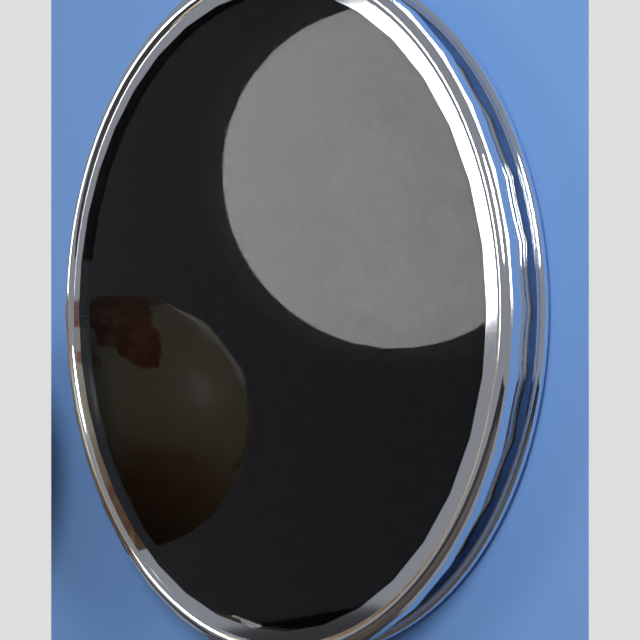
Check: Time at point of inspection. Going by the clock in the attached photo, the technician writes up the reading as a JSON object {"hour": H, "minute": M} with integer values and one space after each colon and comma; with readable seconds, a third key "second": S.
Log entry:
{"hour": 5, "minute": 25}
